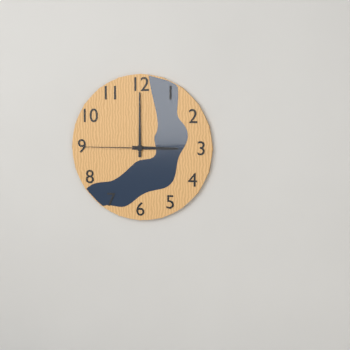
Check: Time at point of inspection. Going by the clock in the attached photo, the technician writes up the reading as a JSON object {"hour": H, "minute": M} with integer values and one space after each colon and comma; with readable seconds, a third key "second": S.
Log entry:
{"hour": 3, "minute": 0, "second": 45}
